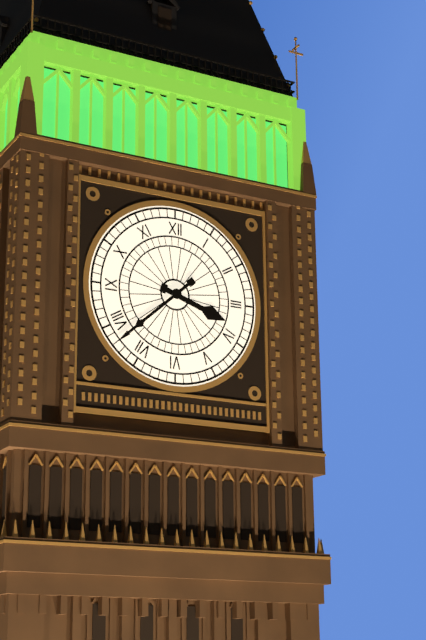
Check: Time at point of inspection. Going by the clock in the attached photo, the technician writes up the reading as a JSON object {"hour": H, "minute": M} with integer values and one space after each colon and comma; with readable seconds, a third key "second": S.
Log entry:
{"hour": 3, "minute": 38}
